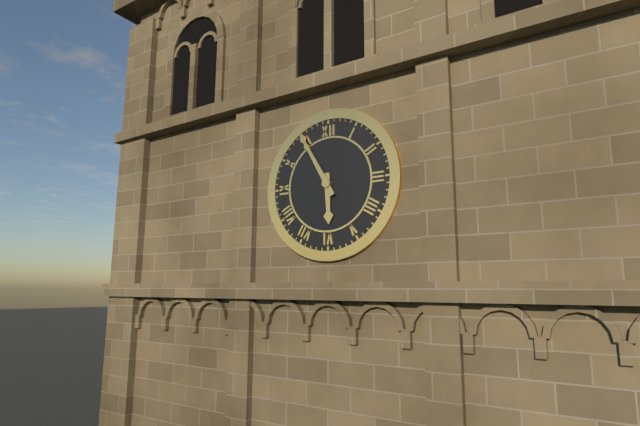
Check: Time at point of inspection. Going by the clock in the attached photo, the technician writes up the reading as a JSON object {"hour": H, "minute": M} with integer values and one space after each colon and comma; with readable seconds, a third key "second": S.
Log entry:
{"hour": 5, "minute": 55}
